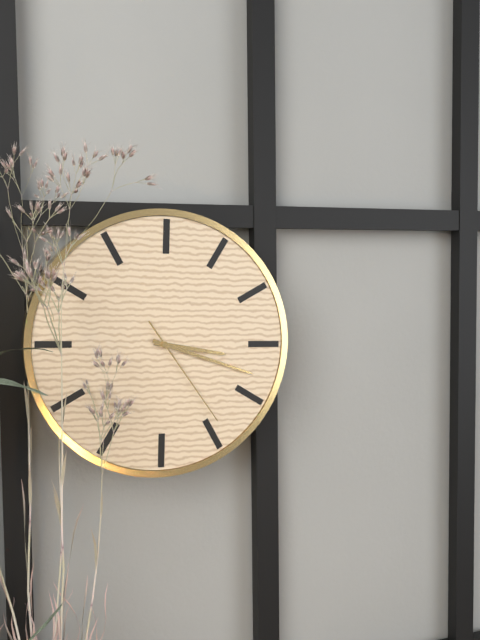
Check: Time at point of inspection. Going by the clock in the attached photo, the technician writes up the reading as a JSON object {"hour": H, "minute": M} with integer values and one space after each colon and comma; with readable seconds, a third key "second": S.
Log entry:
{"hour": 3, "minute": 18, "second": 24}
